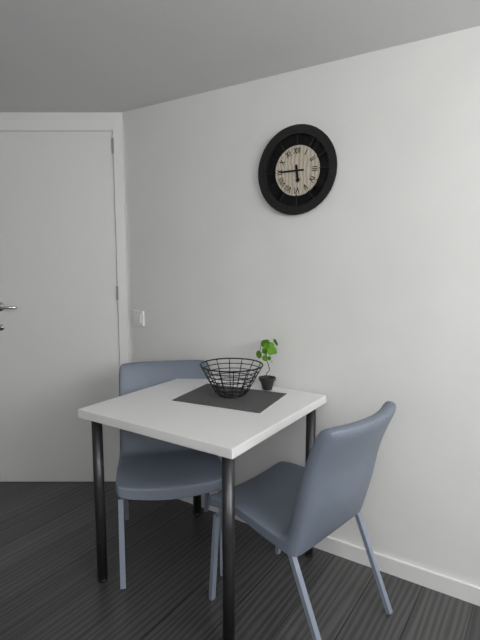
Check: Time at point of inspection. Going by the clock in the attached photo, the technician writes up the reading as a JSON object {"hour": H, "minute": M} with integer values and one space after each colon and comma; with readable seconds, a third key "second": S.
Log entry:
{"hour": 5, "minute": 45}
